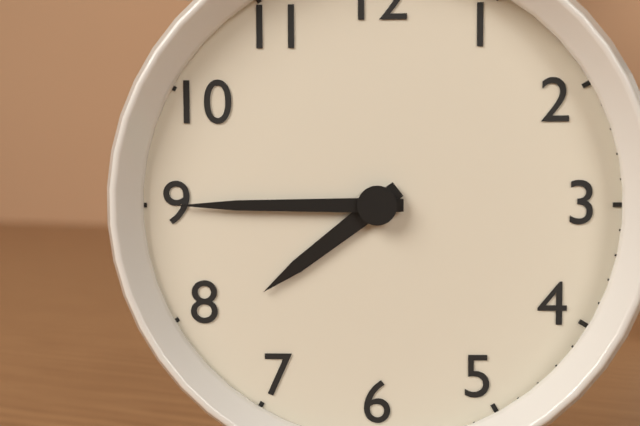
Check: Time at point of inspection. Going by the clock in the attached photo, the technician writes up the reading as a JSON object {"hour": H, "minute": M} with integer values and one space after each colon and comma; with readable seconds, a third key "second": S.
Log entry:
{"hour": 7, "minute": 45}
